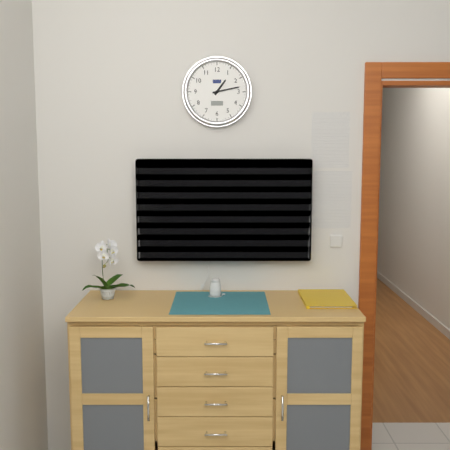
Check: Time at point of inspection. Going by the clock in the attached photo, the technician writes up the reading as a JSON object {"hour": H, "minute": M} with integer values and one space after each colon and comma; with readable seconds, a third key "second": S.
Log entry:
{"hour": 1, "minute": 13}
